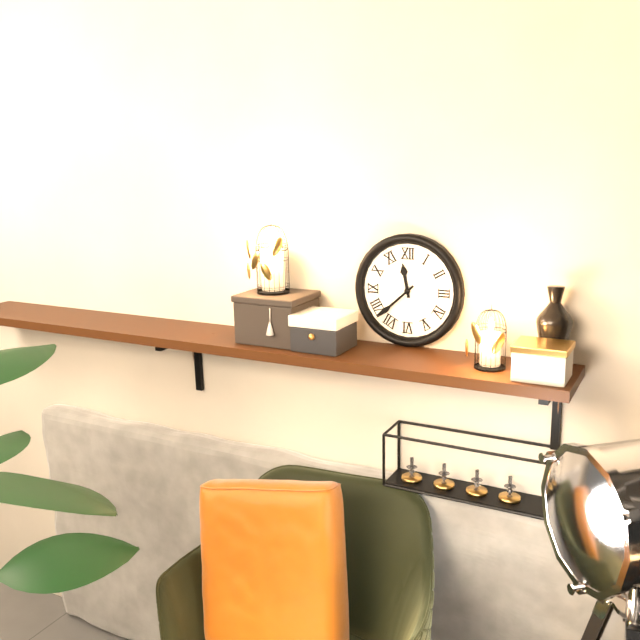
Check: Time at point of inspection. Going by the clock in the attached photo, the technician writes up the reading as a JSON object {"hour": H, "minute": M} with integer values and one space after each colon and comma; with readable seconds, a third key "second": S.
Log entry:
{"hour": 11, "minute": 38}
